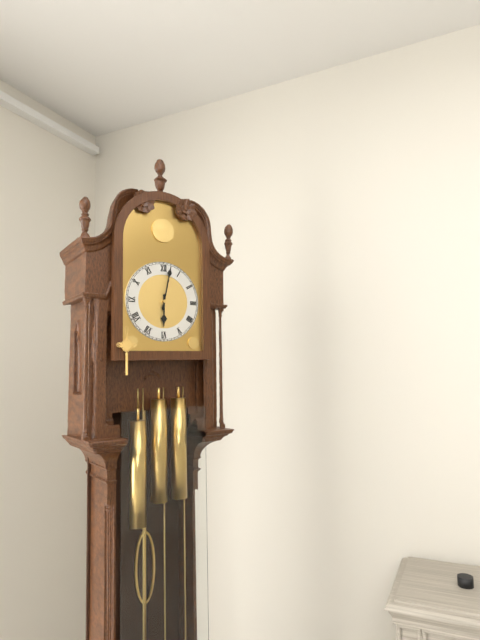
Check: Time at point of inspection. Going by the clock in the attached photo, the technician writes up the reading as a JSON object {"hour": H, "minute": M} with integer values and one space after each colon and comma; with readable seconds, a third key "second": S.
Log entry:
{"hour": 6, "minute": 2}
